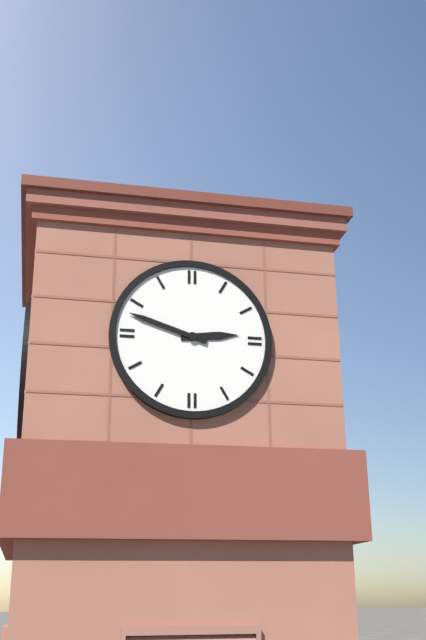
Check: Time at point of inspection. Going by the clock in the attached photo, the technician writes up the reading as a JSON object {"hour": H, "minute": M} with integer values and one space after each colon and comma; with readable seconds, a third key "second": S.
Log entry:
{"hour": 2, "minute": 48}
